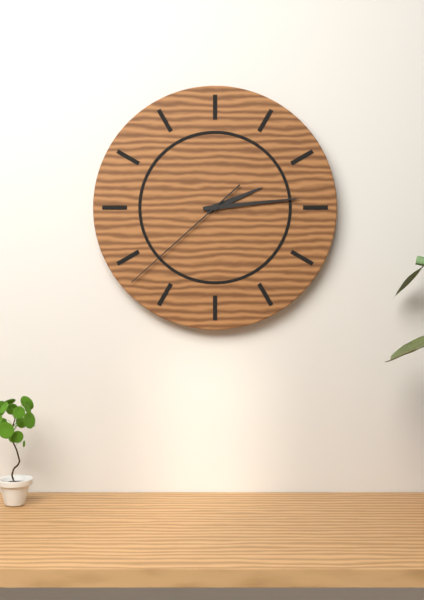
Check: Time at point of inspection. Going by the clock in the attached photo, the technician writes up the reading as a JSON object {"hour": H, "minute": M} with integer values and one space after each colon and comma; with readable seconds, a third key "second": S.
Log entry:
{"hour": 2, "minute": 14, "second": 38}
